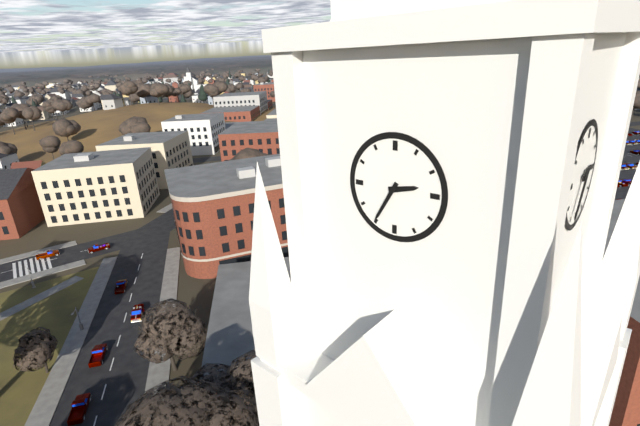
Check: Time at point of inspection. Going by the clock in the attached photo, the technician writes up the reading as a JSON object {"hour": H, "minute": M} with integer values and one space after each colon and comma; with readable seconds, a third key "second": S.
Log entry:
{"hour": 2, "minute": 35}
